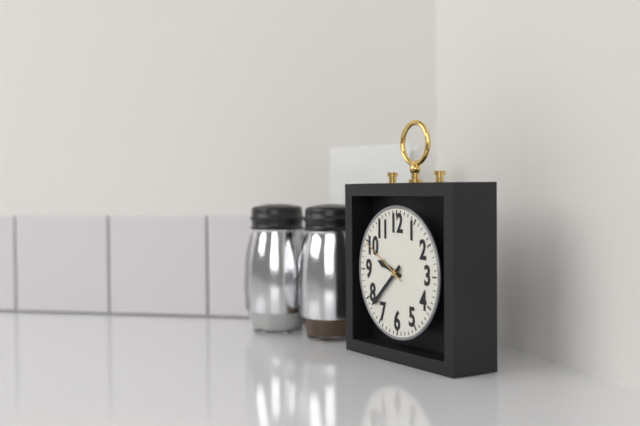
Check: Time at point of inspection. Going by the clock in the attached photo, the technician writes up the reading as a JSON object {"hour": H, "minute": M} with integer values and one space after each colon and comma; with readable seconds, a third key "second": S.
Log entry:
{"hour": 9, "minute": 38, "second": 50}
